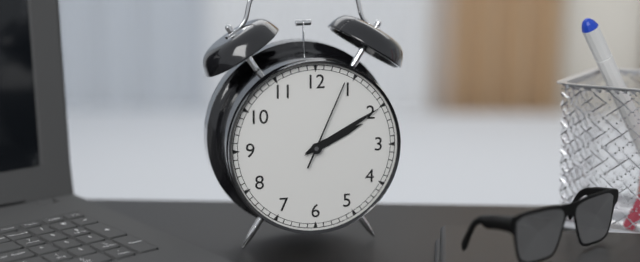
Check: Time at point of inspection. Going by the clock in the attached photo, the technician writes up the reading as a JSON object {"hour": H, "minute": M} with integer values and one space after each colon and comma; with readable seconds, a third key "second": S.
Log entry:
{"hour": 2, "minute": 10, "second": 4}
